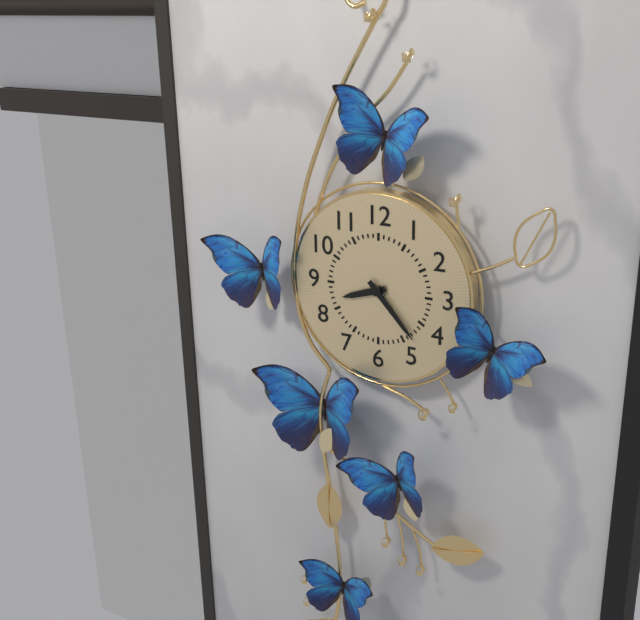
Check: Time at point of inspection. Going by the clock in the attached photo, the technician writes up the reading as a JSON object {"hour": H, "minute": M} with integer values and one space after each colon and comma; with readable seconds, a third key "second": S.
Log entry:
{"hour": 8, "minute": 23}
